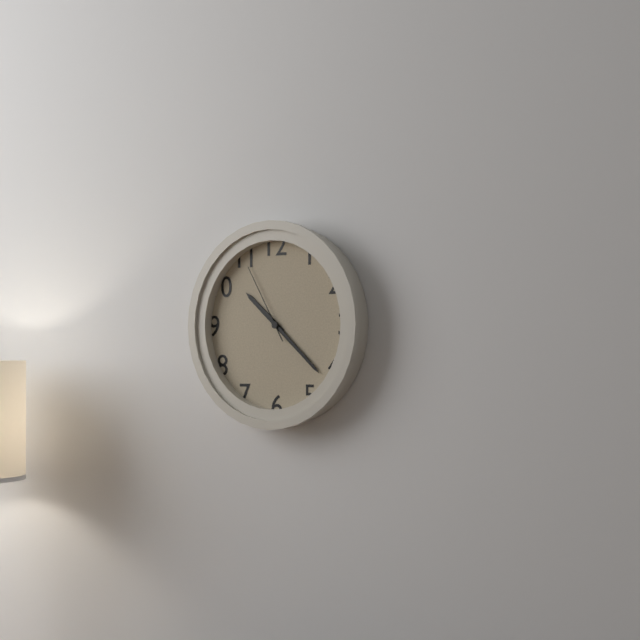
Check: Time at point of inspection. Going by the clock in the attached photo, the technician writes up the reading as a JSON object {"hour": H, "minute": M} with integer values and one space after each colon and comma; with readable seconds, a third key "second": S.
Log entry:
{"hour": 10, "minute": 22, "second": 55}
